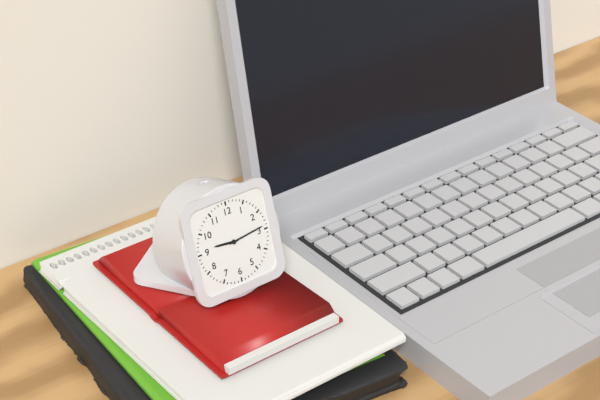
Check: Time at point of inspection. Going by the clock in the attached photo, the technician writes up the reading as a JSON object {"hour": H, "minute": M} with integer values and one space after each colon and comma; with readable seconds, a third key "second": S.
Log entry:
{"hour": 9, "minute": 14}
